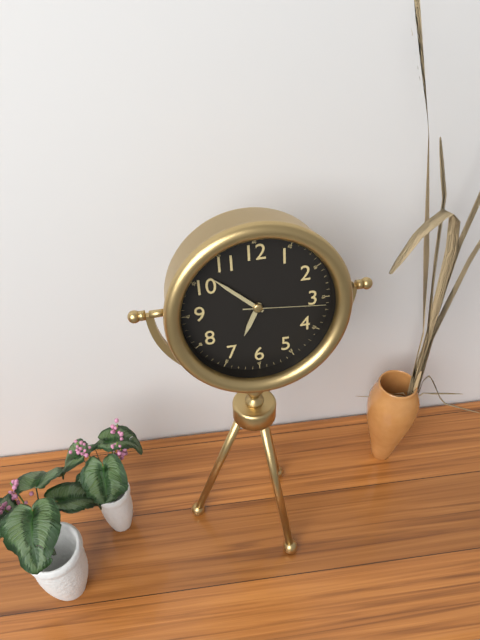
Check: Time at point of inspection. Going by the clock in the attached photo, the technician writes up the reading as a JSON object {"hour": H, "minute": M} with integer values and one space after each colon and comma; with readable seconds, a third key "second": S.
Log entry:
{"hour": 6, "minute": 52, "second": 16}
